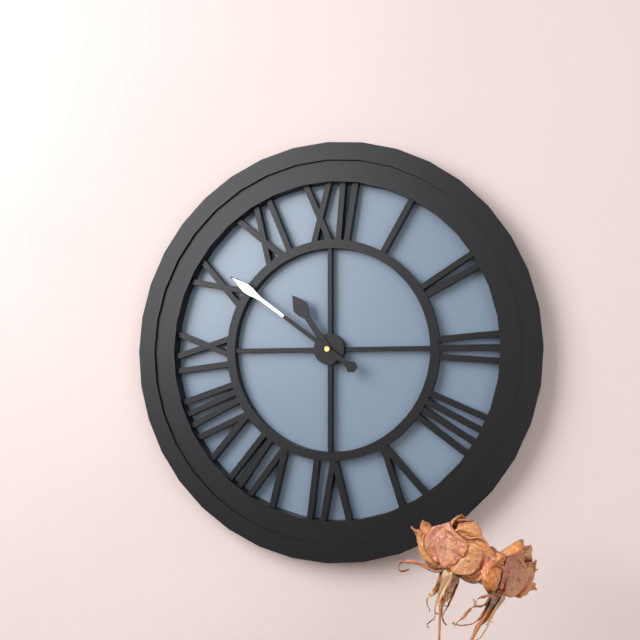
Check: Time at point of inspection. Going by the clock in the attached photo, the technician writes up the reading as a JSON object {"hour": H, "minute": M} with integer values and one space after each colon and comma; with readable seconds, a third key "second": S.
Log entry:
{"hour": 10, "minute": 51}
